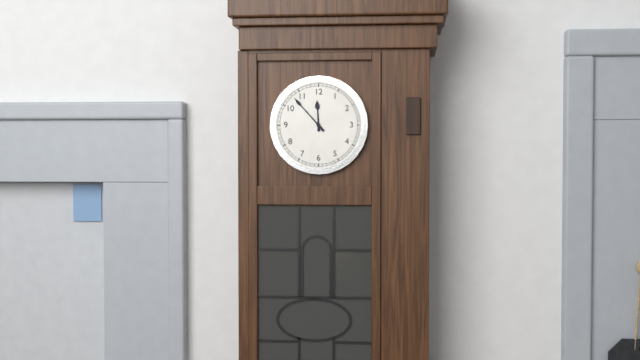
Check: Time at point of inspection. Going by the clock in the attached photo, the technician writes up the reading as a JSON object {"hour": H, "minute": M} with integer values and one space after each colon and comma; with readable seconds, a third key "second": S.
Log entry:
{"hour": 11, "minute": 53}
